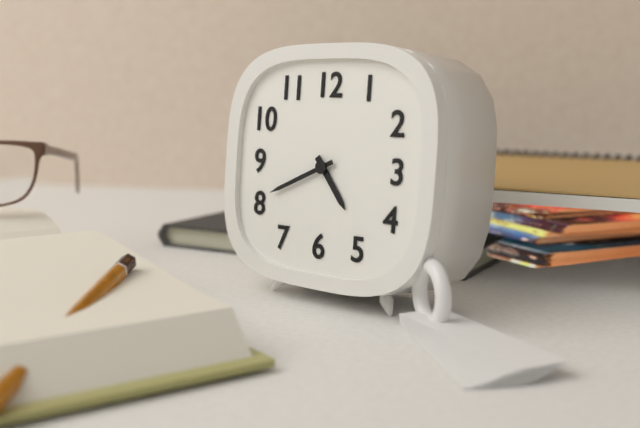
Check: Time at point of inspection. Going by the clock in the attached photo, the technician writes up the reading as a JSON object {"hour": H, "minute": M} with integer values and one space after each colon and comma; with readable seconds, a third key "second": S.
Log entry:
{"hour": 4, "minute": 41}
